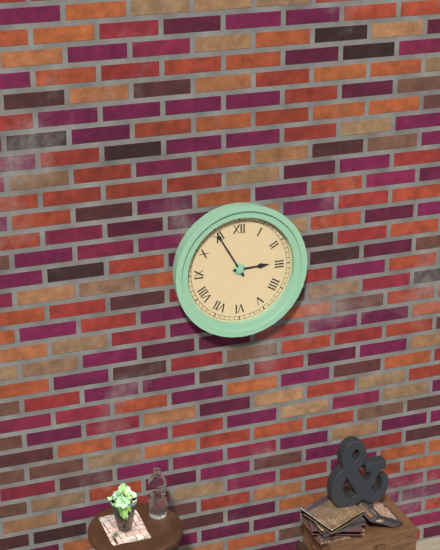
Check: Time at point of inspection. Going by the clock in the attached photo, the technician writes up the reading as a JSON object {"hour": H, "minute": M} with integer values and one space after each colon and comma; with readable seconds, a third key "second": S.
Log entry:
{"hour": 2, "minute": 55}
